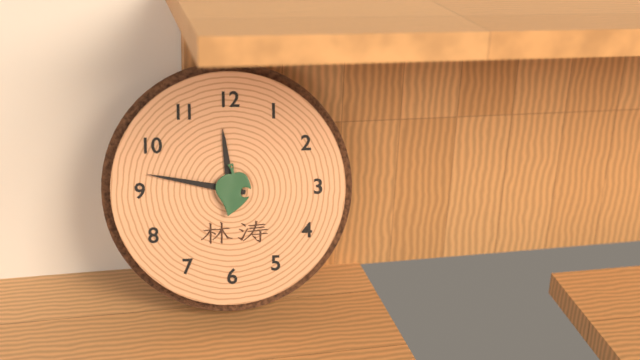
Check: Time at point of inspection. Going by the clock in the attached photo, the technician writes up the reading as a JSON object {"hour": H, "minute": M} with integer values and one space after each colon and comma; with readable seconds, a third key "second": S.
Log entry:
{"hour": 11, "minute": 47}
